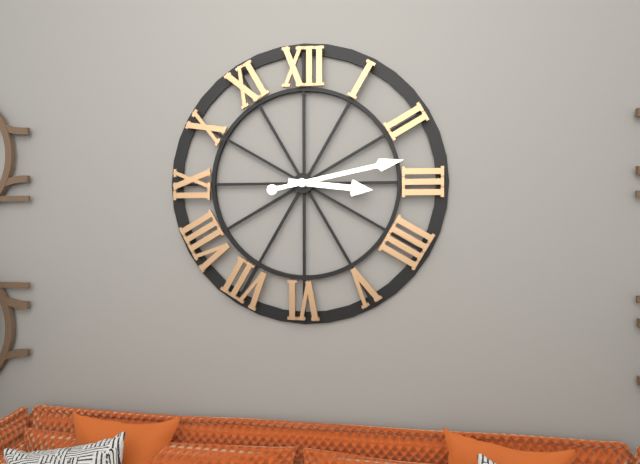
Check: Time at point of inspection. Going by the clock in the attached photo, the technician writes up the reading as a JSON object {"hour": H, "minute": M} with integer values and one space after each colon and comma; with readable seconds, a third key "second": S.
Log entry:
{"hour": 3, "minute": 13}
